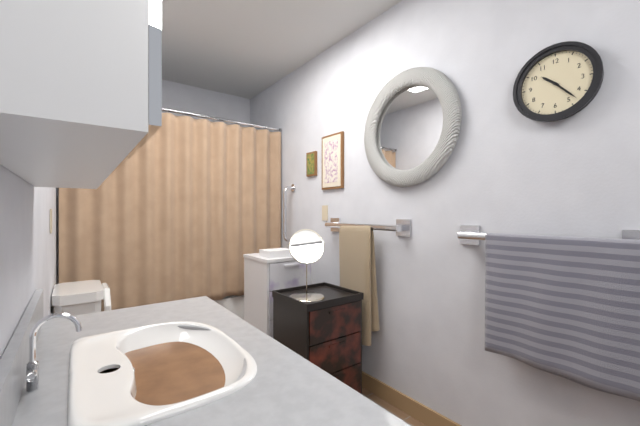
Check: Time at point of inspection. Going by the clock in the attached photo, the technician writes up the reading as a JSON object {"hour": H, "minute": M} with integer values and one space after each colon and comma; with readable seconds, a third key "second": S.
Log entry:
{"hour": 10, "minute": 23}
